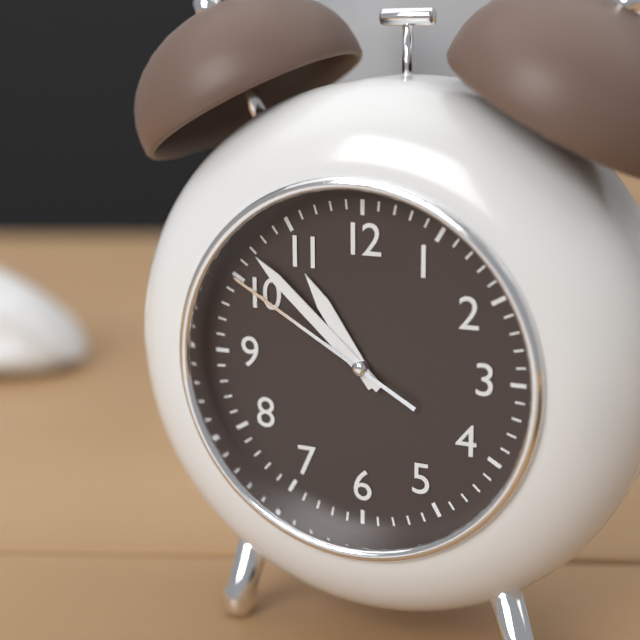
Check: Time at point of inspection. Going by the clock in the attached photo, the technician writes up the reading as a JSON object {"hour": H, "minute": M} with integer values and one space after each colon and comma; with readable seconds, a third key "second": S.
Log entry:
{"hour": 10, "minute": 52, "second": 50}
